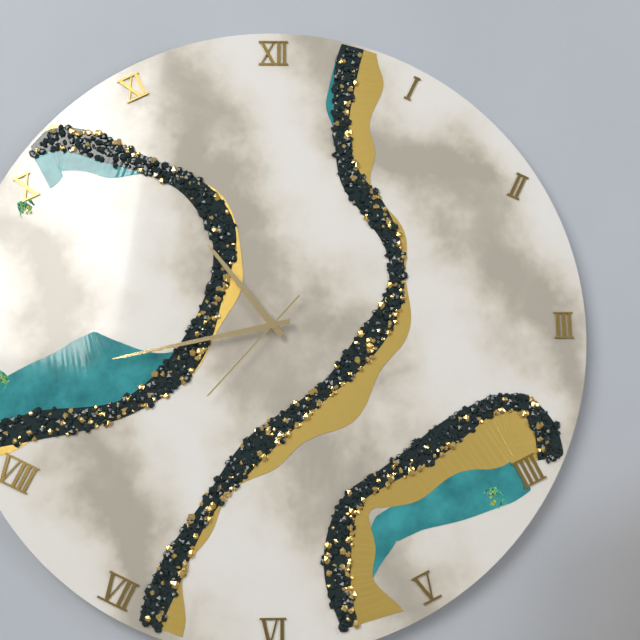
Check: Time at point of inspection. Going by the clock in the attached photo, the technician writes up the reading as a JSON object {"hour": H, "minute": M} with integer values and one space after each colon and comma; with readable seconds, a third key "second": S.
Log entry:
{"hour": 10, "minute": 43, "second": 37}
